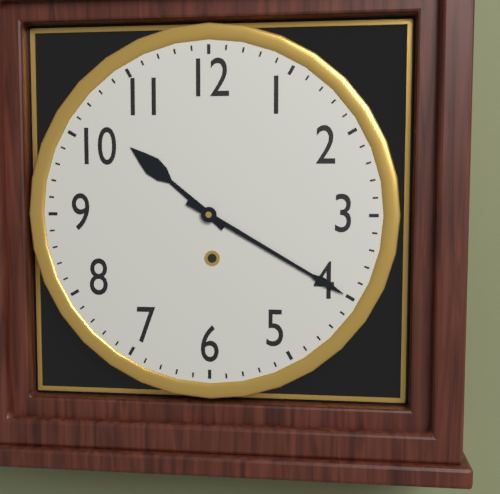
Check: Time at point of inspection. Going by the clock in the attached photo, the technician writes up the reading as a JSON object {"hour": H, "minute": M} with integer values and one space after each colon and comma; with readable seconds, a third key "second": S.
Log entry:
{"hour": 10, "minute": 20}
